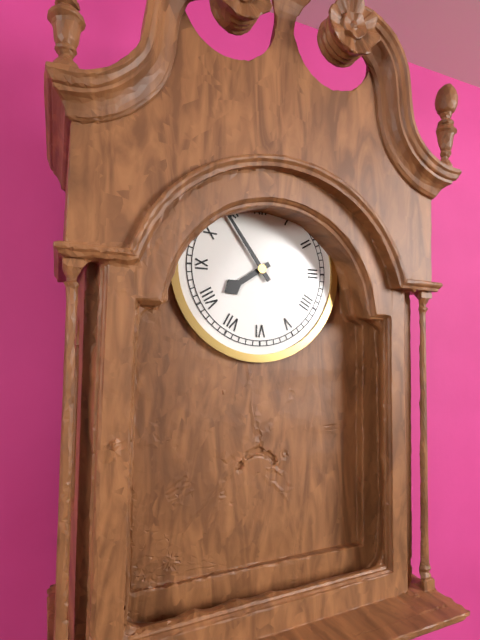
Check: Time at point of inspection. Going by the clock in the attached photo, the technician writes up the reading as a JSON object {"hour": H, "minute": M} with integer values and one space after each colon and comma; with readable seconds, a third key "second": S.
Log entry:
{"hour": 7, "minute": 54}
